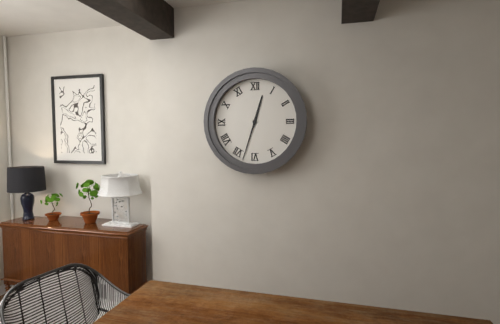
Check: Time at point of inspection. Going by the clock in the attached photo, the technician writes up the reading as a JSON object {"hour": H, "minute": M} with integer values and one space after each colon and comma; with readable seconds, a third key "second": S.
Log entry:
{"hour": 12, "minute": 33}
